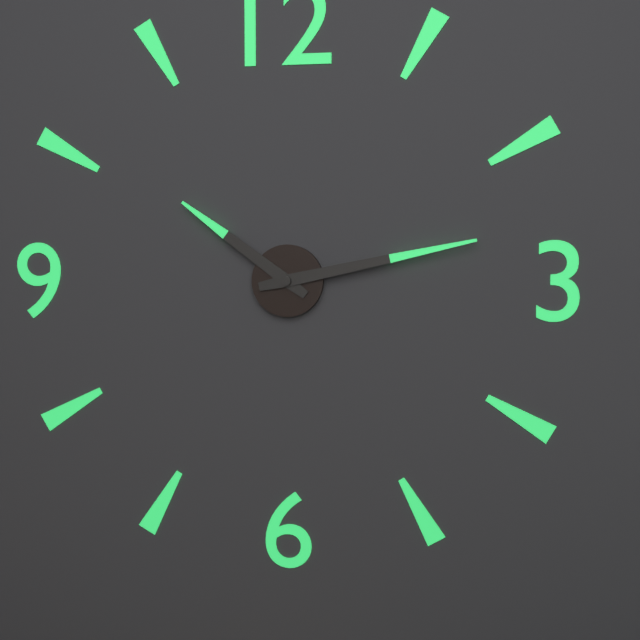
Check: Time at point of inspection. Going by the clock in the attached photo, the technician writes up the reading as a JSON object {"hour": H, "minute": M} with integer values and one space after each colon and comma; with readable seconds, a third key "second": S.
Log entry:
{"hour": 10, "minute": 13}
